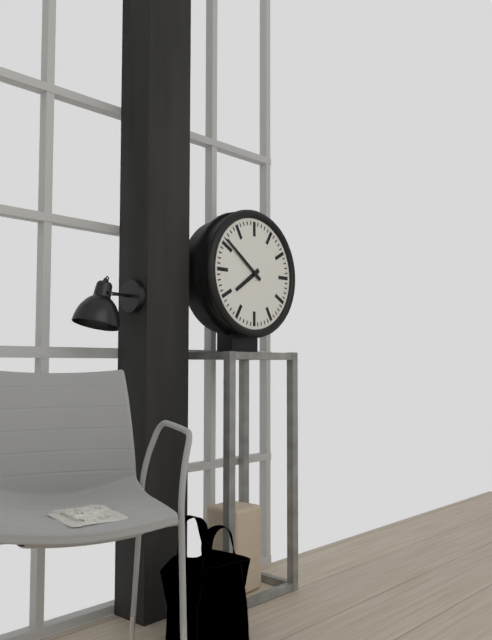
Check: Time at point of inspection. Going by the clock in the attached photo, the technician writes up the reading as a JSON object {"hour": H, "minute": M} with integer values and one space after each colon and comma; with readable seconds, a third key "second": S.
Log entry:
{"hour": 7, "minute": 51}
